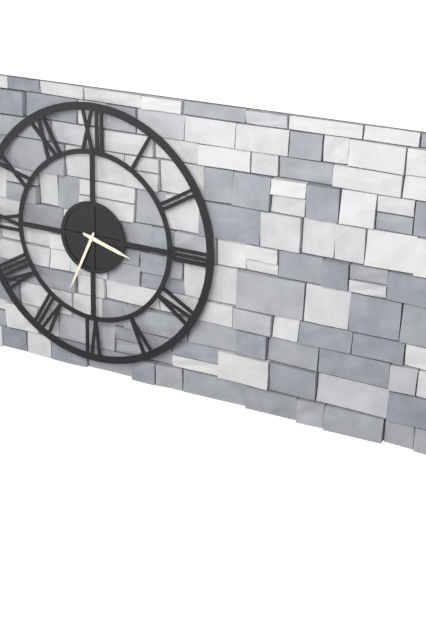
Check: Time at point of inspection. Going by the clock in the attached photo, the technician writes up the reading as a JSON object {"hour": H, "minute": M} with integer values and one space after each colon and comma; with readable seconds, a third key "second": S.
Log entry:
{"hour": 3, "minute": 34}
